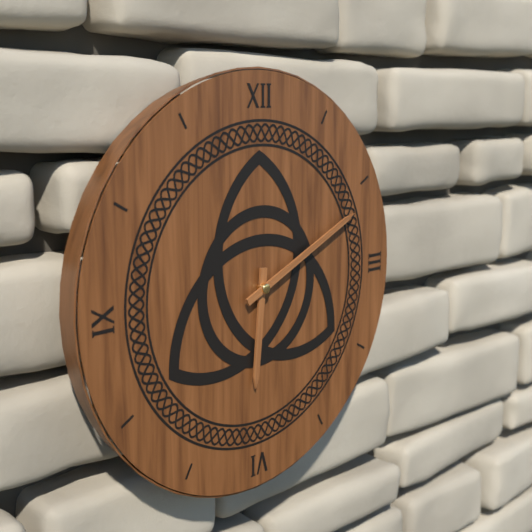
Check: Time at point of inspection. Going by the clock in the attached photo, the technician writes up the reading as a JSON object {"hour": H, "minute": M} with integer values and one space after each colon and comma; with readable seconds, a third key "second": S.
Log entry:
{"hour": 6, "minute": 11}
